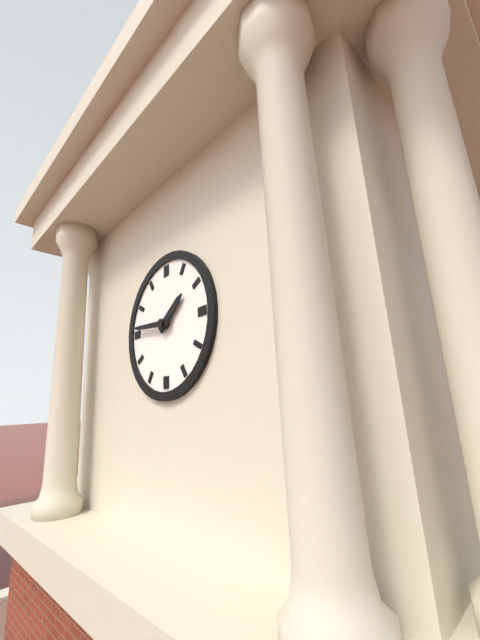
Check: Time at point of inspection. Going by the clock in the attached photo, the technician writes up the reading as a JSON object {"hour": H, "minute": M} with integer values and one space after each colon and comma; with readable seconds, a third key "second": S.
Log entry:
{"hour": 1, "minute": 46}
